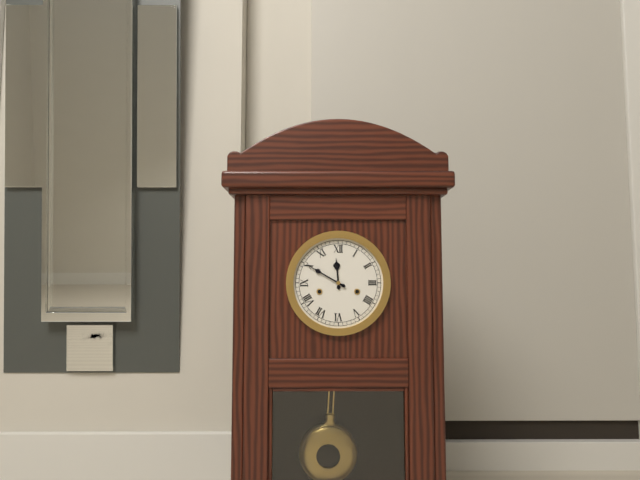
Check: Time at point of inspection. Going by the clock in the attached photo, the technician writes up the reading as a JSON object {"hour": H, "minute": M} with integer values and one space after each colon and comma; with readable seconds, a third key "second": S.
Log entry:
{"hour": 11, "minute": 50}
